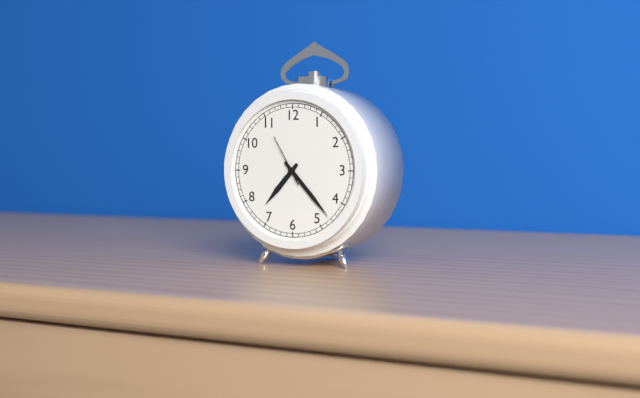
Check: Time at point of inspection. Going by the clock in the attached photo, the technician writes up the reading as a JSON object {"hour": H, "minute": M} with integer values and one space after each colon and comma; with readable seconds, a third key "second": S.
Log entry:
{"hour": 7, "minute": 23}
